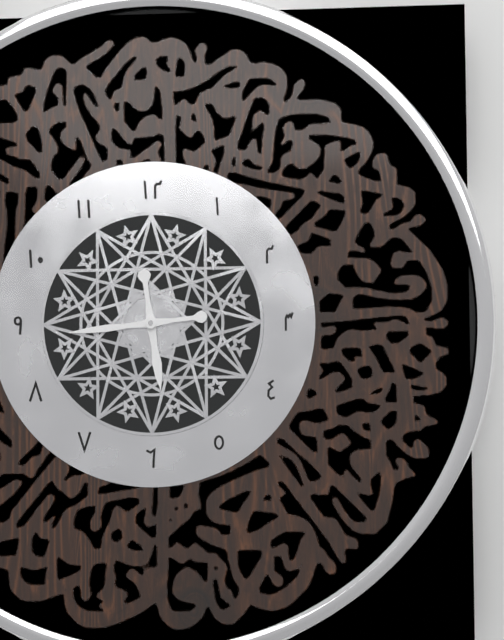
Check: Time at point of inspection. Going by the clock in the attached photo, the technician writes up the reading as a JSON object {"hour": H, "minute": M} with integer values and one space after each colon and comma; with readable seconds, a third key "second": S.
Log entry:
{"hour": 5, "minute": 44}
